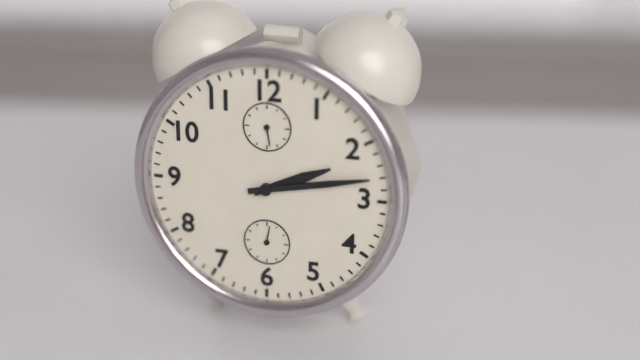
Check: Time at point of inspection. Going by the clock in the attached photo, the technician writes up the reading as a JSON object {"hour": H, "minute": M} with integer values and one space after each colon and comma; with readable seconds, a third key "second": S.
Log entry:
{"hour": 2, "minute": 13}
